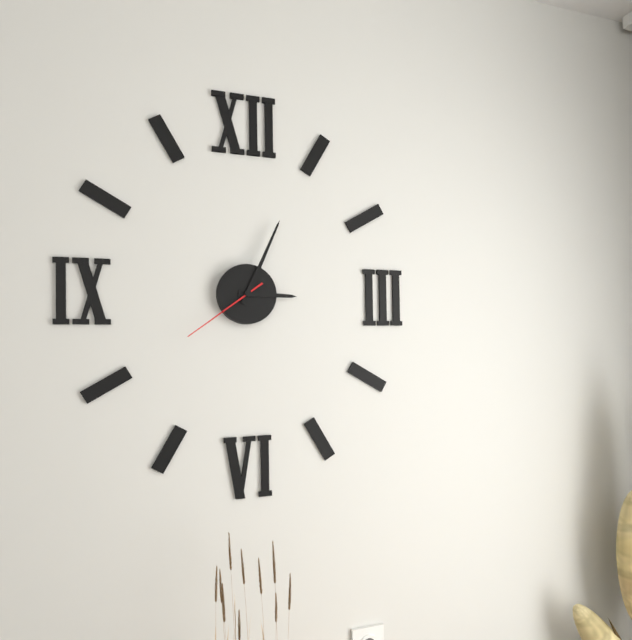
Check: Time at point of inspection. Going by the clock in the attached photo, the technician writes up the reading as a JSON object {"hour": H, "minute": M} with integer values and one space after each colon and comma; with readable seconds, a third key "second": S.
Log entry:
{"hour": 3, "minute": 4, "second": 39}
